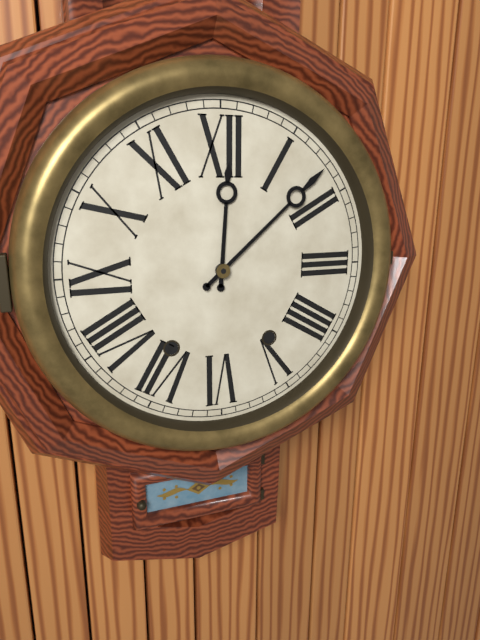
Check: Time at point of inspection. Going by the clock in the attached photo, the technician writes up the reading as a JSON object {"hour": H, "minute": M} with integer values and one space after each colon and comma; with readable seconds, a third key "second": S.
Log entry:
{"hour": 12, "minute": 8}
